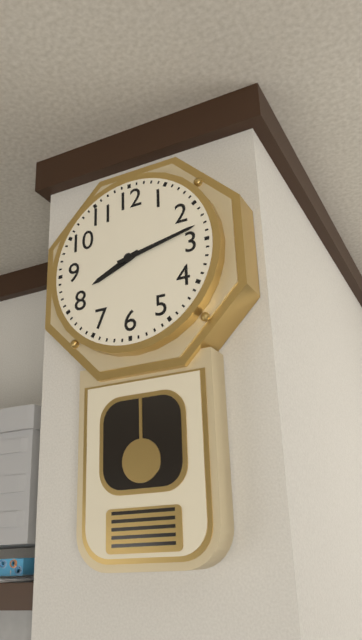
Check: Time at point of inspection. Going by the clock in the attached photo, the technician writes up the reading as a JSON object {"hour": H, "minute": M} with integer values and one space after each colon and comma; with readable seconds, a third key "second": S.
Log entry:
{"hour": 8, "minute": 13}
